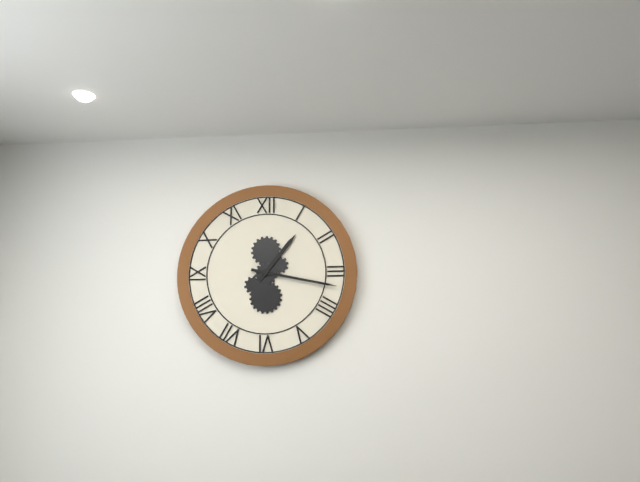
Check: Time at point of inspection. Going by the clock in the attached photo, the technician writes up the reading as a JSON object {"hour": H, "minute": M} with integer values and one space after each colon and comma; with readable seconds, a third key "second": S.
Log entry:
{"hour": 1, "minute": 17}
